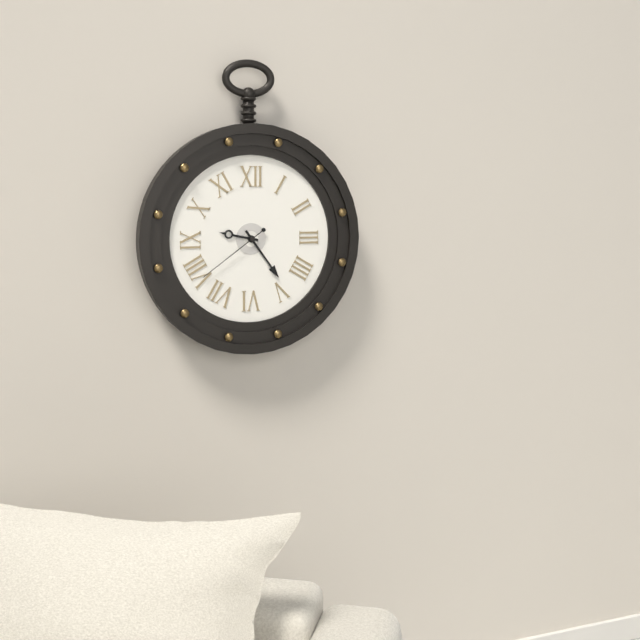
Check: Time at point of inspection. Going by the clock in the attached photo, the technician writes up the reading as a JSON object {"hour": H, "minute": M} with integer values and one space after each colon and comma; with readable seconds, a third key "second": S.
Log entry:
{"hour": 9, "minute": 24, "second": 39}
